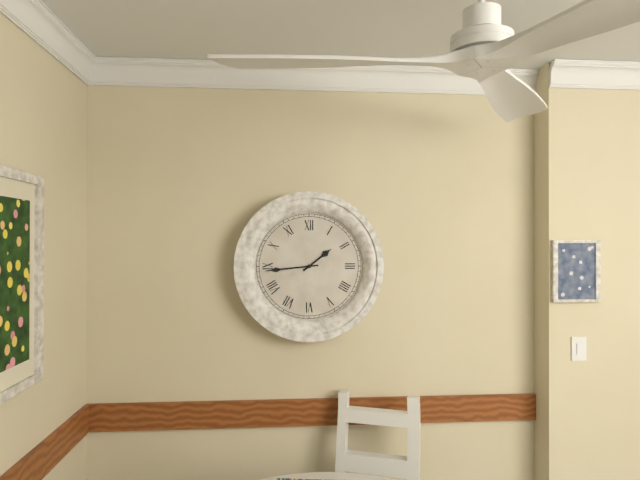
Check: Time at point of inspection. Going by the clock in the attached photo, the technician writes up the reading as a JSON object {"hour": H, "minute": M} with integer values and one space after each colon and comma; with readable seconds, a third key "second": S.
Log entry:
{"hour": 1, "minute": 44}
